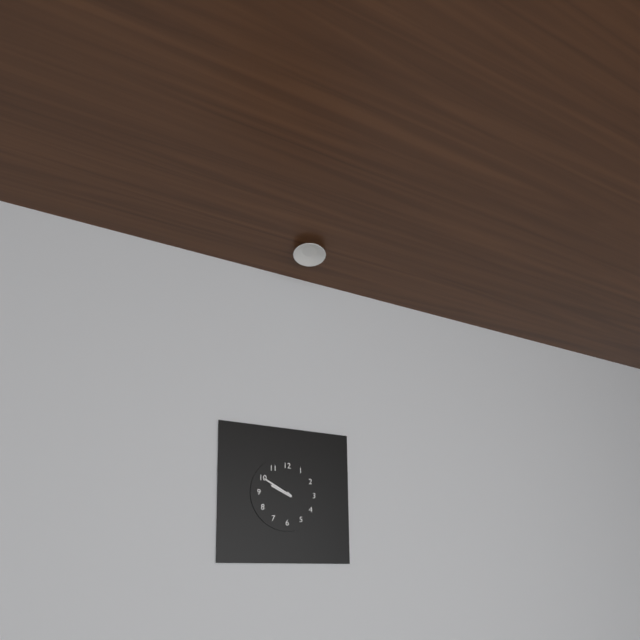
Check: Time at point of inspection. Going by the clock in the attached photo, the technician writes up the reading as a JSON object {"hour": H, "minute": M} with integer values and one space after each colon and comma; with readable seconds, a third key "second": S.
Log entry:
{"hour": 9, "minute": 50}
